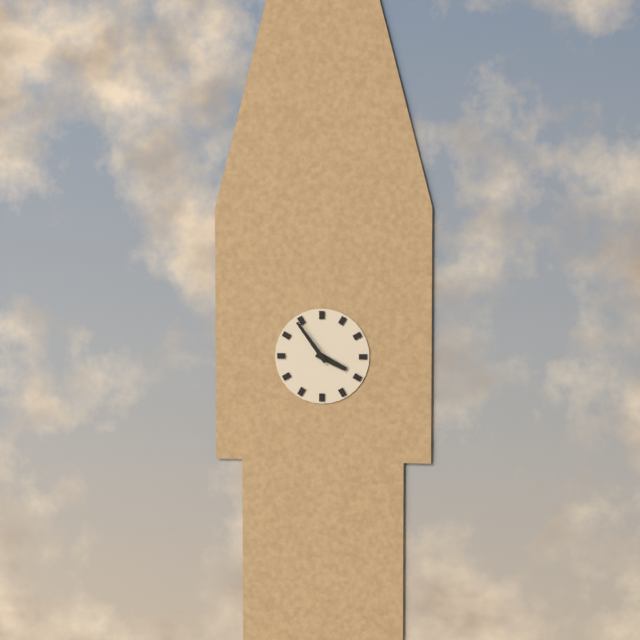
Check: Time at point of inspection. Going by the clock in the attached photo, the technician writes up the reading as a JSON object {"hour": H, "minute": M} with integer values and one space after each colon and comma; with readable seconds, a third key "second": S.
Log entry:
{"hour": 3, "minute": 54}
